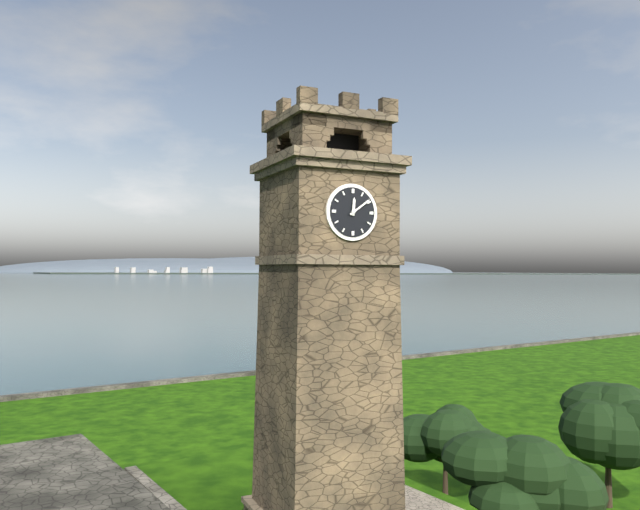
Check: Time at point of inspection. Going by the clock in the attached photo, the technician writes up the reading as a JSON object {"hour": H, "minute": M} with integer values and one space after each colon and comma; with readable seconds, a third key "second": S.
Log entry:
{"hour": 12, "minute": 9}
